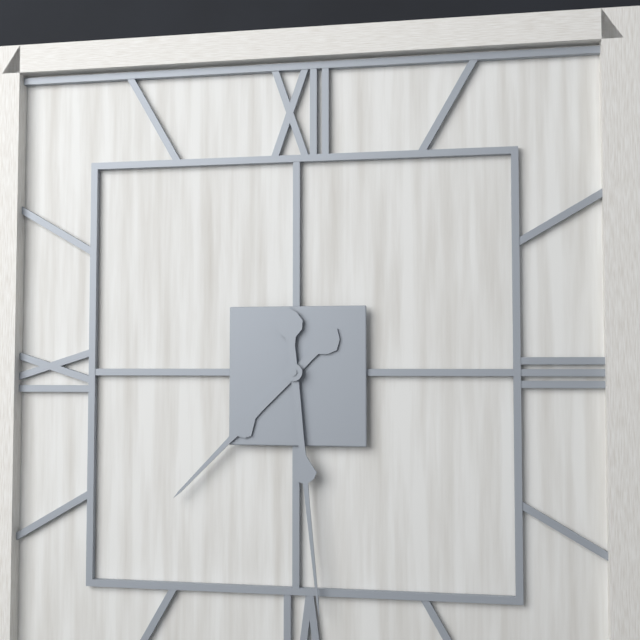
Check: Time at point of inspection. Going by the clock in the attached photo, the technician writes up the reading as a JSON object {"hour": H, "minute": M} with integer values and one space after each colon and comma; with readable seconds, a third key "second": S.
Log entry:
{"hour": 7, "minute": 29}
